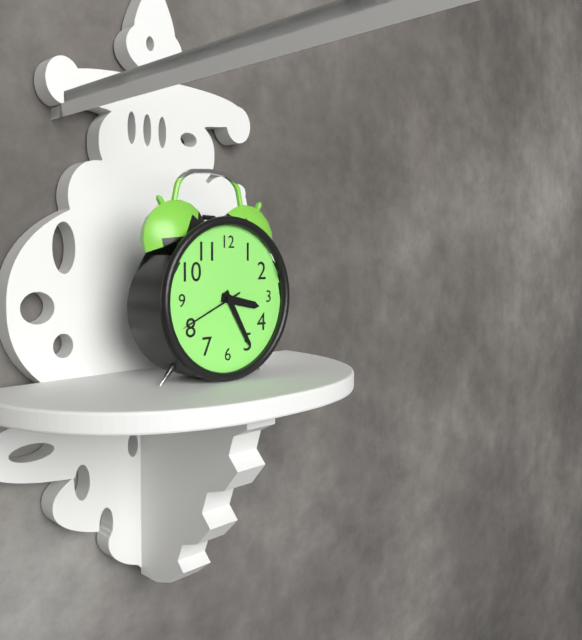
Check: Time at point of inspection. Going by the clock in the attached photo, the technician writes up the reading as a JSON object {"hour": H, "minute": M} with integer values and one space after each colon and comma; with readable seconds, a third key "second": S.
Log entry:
{"hour": 3, "minute": 25, "second": 41}
